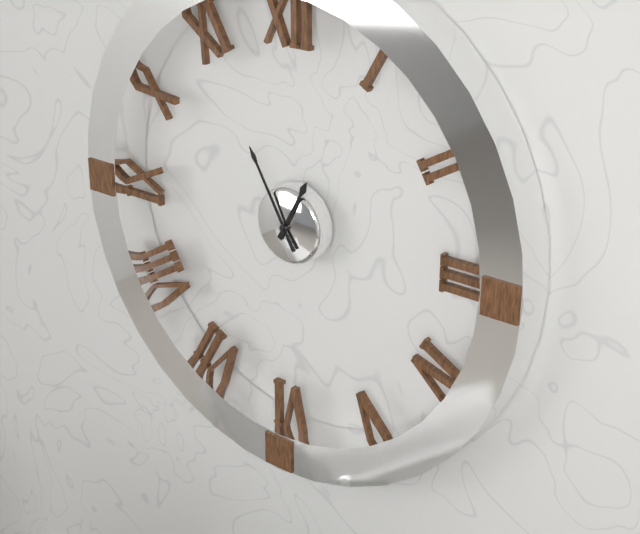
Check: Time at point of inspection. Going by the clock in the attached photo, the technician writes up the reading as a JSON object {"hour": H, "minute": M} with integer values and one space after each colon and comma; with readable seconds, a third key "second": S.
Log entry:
{"hour": 12, "minute": 55}
